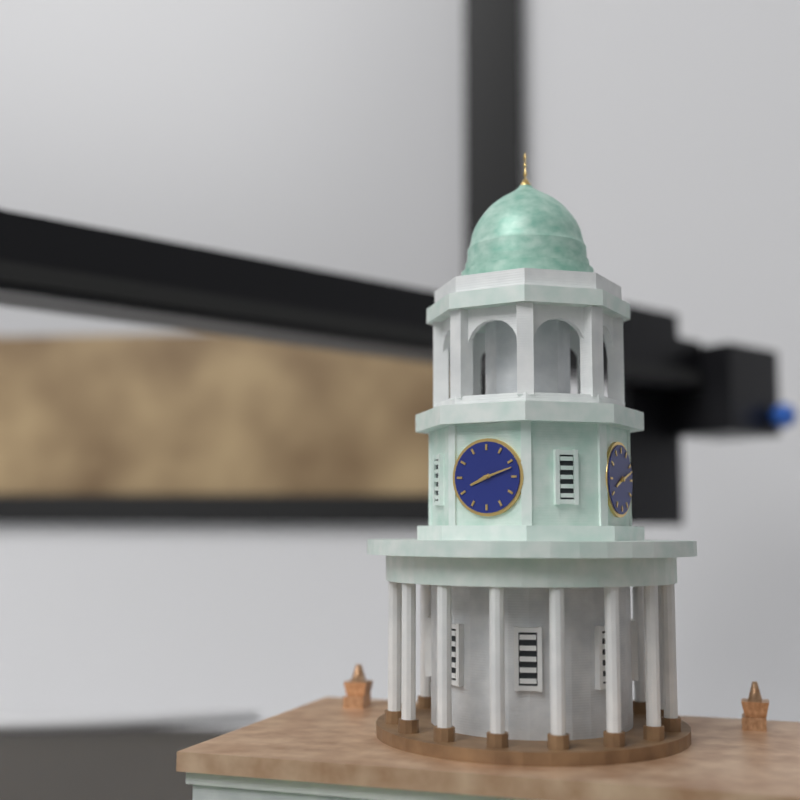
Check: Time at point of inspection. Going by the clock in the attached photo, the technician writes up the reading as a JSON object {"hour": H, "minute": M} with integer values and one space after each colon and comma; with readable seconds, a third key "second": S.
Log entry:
{"hour": 8, "minute": 12}
